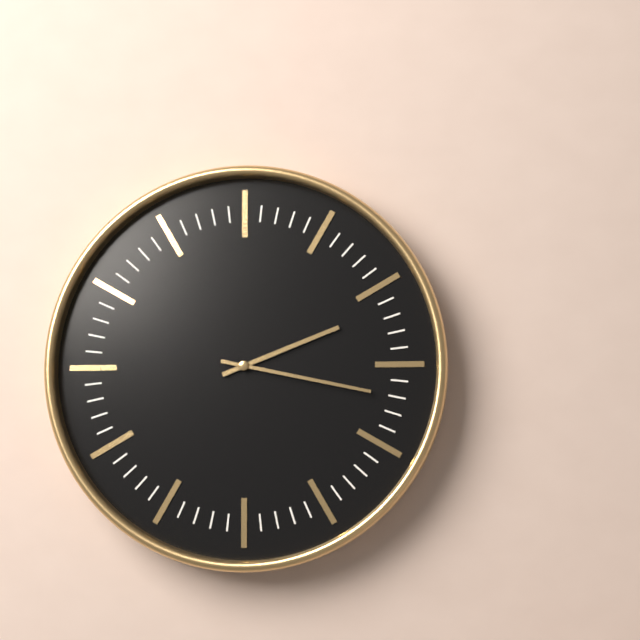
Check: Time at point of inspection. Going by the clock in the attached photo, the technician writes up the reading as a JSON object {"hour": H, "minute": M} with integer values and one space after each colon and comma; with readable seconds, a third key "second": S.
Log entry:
{"hour": 2, "minute": 17}
